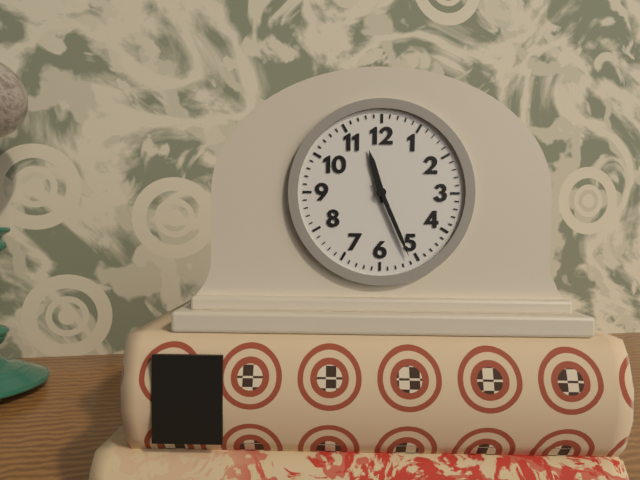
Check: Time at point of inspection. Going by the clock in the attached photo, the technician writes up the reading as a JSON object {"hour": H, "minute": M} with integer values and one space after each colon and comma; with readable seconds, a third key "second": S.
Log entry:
{"hour": 11, "minute": 26}
